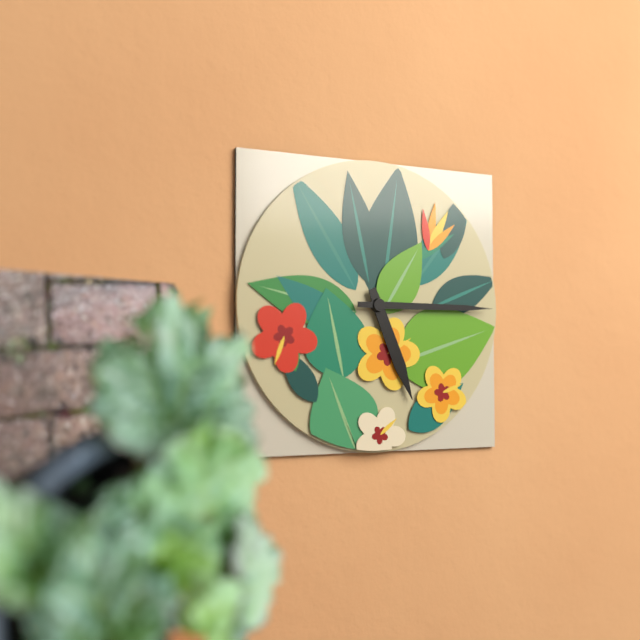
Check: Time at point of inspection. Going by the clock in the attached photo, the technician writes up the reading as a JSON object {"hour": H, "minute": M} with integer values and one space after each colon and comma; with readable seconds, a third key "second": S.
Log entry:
{"hour": 5, "minute": 15}
